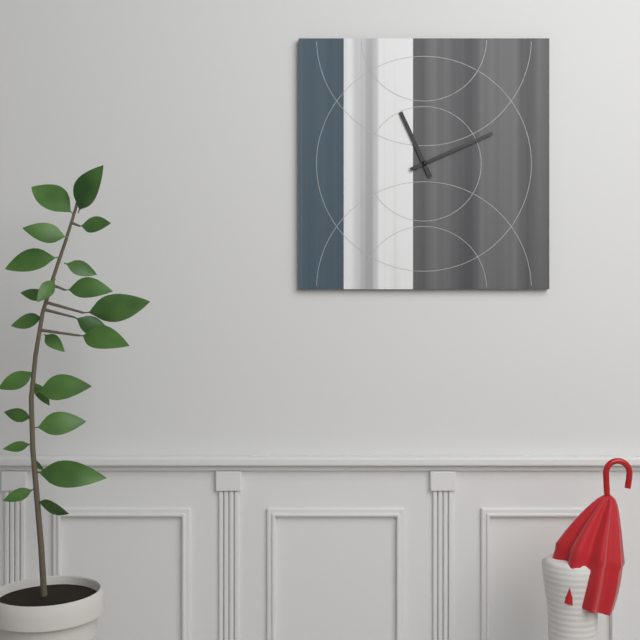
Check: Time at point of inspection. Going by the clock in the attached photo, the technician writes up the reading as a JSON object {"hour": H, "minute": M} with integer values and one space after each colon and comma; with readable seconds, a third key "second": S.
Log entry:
{"hour": 11, "minute": 11}
